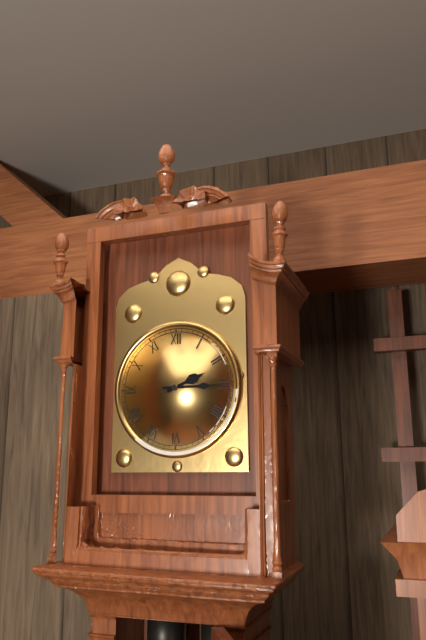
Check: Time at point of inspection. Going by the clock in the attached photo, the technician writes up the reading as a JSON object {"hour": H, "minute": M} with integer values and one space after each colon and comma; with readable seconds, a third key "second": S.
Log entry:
{"hour": 2, "minute": 15}
